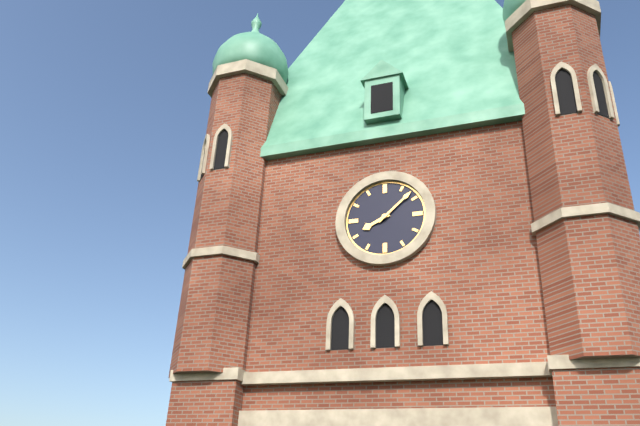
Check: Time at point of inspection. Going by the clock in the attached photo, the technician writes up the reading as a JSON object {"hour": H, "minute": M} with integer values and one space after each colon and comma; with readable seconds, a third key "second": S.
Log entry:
{"hour": 8, "minute": 8}
